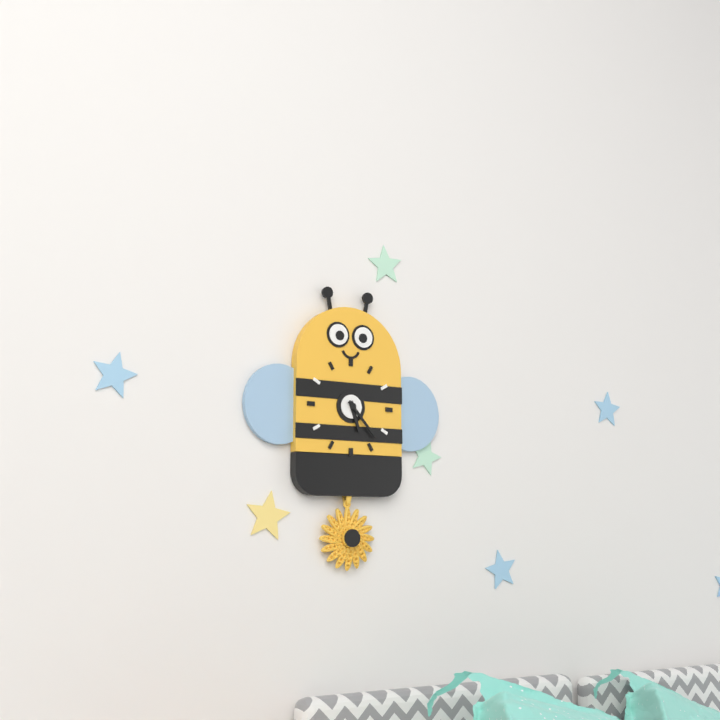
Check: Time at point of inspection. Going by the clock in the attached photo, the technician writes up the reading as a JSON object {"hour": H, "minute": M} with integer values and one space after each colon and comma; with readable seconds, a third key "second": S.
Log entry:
{"hour": 5, "minute": 23}
